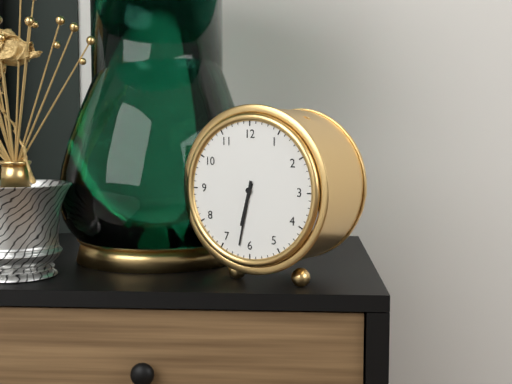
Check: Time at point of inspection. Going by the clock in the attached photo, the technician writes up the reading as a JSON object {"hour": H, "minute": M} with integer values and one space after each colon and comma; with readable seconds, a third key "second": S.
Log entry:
{"hour": 6, "minute": 32}
